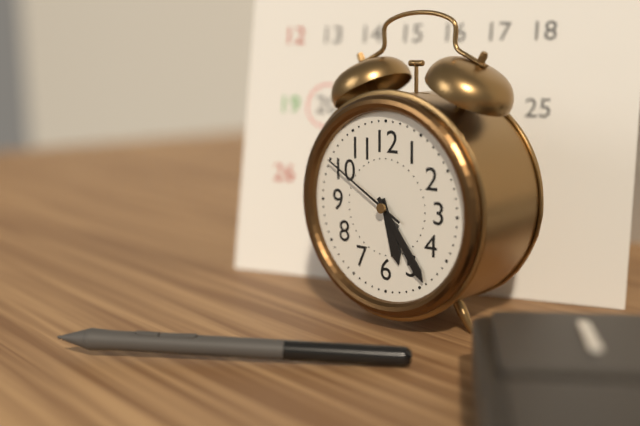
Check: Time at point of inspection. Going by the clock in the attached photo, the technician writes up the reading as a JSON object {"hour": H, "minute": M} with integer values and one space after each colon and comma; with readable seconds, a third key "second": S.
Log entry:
{"hour": 5, "minute": 24, "second": 50}
